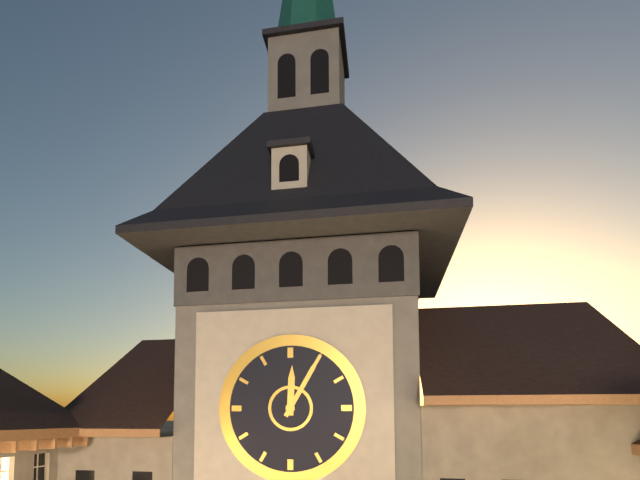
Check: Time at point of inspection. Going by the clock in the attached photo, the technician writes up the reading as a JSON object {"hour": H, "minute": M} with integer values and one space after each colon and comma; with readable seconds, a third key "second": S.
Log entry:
{"hour": 12, "minute": 5}
